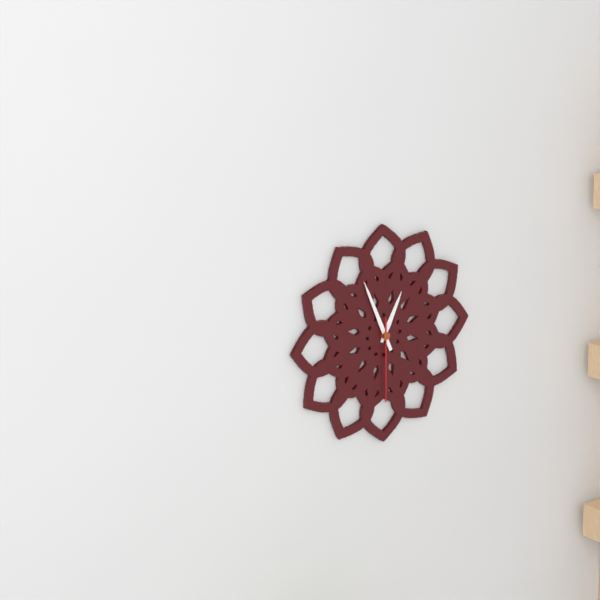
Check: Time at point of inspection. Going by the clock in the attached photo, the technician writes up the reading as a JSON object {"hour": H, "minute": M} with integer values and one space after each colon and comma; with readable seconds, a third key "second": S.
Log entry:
{"hour": 12, "minute": 56, "second": 30}
